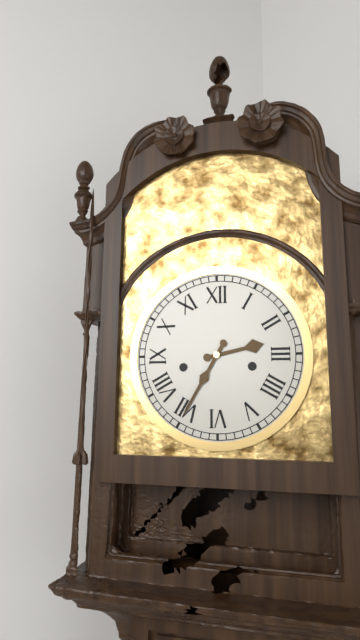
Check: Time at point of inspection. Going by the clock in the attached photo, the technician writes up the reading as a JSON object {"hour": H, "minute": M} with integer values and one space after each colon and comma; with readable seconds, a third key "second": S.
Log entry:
{"hour": 2, "minute": 35}
